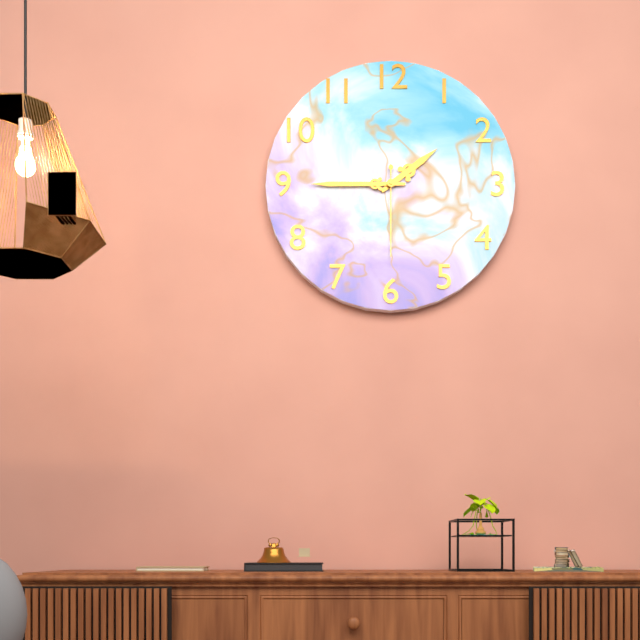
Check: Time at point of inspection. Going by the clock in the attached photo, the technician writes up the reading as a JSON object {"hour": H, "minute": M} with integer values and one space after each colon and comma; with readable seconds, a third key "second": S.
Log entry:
{"hour": 1, "minute": 45, "second": 30}
